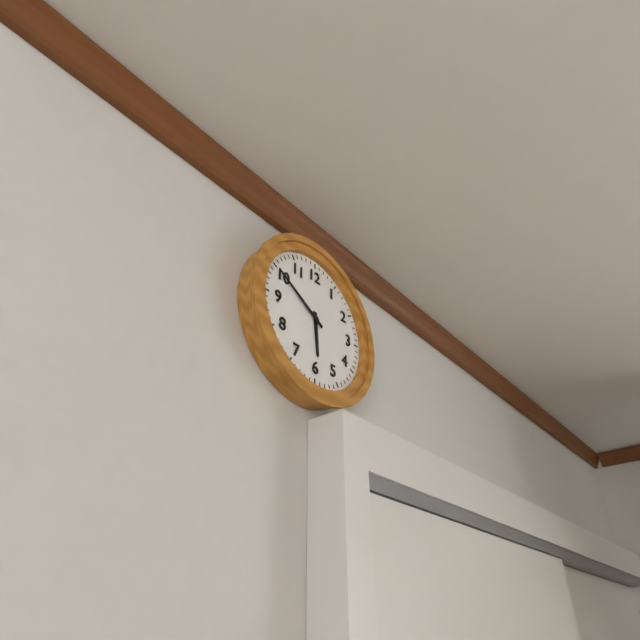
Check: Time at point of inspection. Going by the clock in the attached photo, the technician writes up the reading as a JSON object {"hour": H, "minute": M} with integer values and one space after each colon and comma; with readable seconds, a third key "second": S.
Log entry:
{"hour": 5, "minute": 50}
